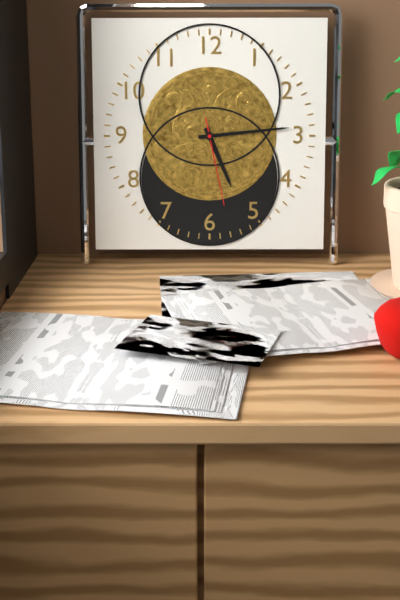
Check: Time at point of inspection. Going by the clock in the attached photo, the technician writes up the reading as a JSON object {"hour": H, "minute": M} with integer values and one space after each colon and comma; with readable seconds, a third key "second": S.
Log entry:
{"hour": 5, "minute": 14, "second": 28}
